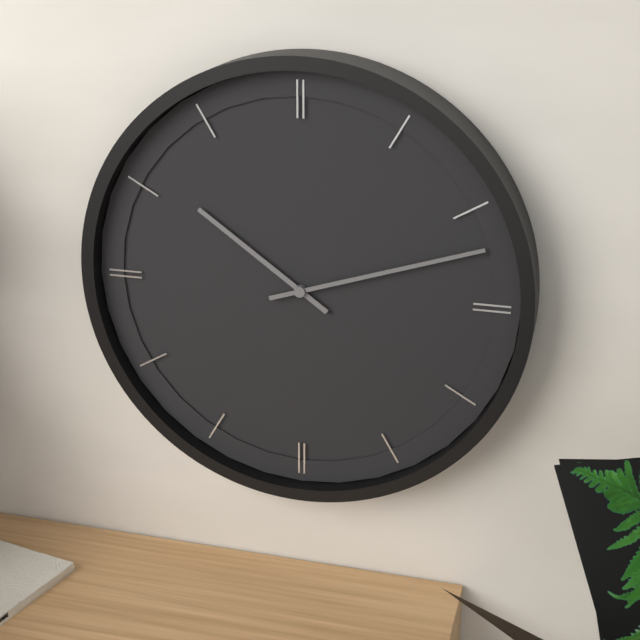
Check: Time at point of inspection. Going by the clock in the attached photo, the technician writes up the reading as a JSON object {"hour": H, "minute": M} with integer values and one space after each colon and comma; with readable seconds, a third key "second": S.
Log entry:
{"hour": 10, "minute": 12}
